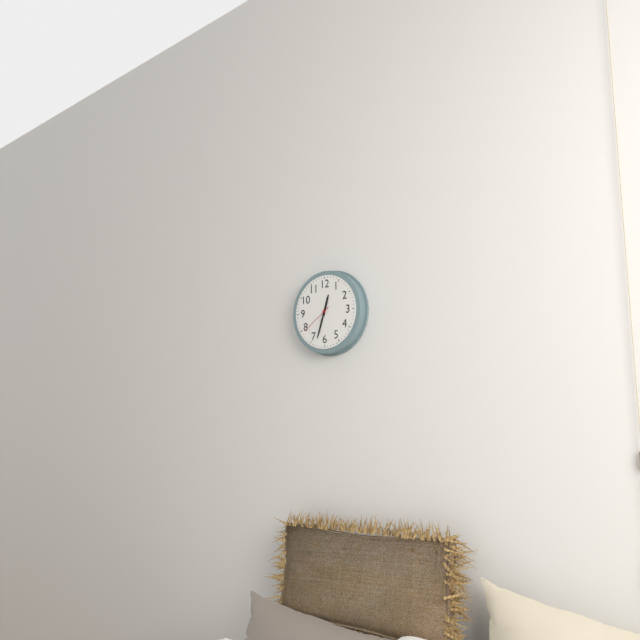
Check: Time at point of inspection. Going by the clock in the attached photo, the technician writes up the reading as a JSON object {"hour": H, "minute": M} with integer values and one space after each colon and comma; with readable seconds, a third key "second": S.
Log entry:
{"hour": 12, "minute": 33}
